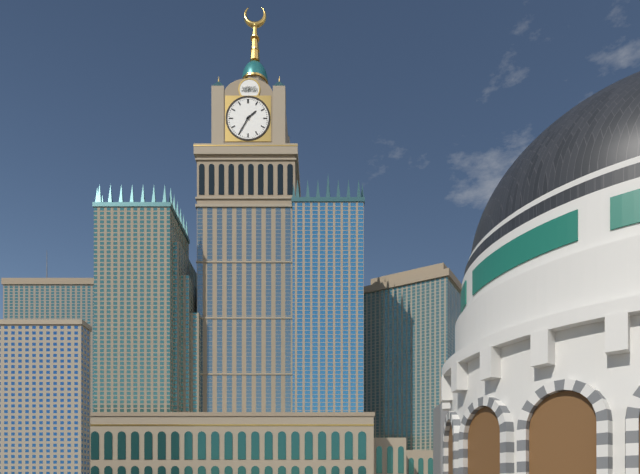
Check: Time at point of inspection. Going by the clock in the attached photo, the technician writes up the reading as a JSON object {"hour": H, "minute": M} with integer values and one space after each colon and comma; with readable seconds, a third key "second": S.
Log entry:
{"hour": 1, "minute": 35}
